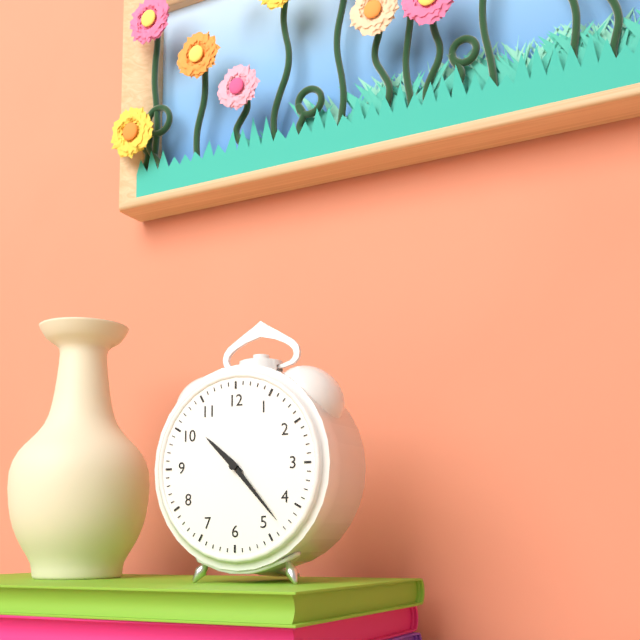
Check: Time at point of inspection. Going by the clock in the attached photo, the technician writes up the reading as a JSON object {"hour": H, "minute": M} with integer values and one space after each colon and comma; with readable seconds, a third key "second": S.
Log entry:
{"hour": 10, "minute": 23}
